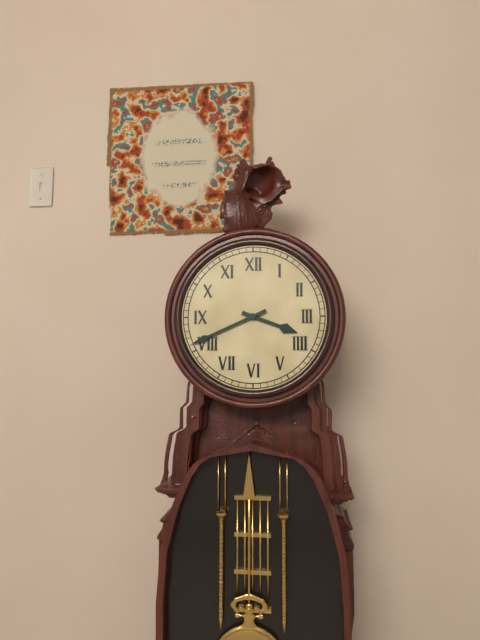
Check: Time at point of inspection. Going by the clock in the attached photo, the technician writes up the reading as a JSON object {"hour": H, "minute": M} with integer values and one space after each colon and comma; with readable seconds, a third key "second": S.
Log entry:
{"hour": 3, "minute": 41}
